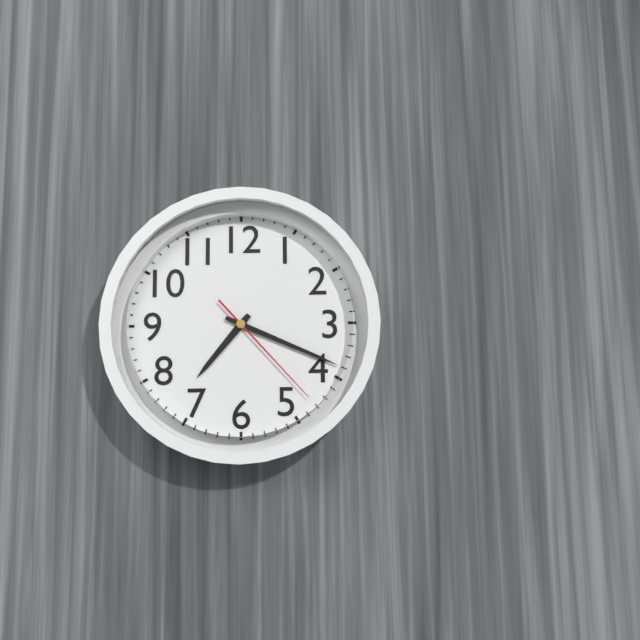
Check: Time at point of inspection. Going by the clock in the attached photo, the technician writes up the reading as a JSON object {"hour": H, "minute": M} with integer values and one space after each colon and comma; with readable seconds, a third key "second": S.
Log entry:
{"hour": 7, "minute": 19, "second": 23}
